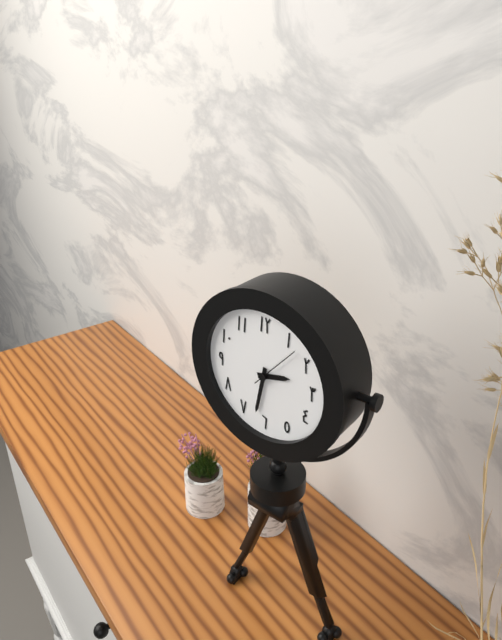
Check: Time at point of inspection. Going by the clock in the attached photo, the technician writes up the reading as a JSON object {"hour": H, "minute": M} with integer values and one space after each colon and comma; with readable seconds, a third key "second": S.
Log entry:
{"hour": 2, "minute": 32, "second": 7}
